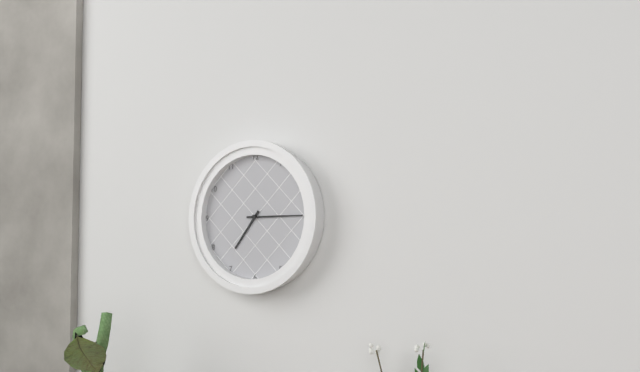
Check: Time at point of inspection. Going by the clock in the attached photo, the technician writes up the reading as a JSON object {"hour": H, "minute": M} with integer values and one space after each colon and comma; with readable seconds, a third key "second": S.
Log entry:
{"hour": 7, "minute": 15}
